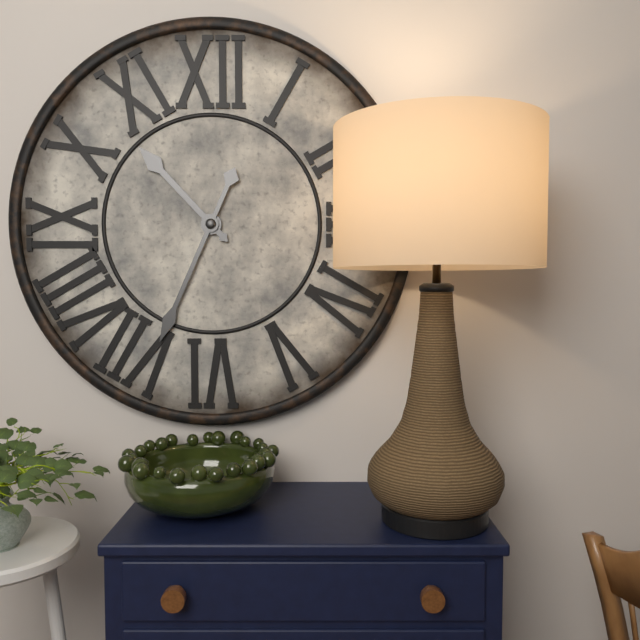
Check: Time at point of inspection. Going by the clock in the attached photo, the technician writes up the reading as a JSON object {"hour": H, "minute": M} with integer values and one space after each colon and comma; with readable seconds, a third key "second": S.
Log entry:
{"hour": 10, "minute": 34}
